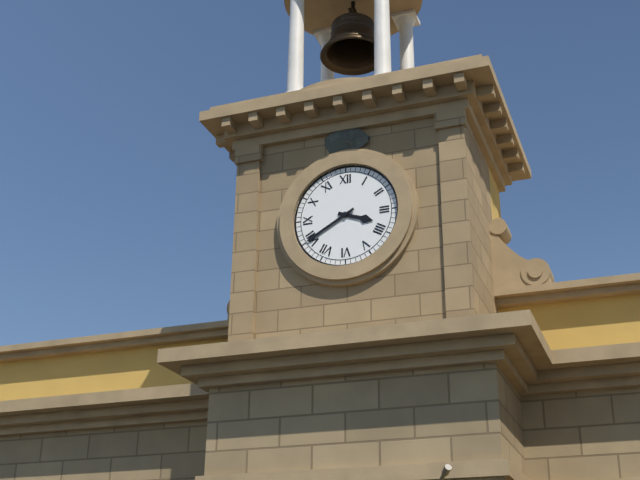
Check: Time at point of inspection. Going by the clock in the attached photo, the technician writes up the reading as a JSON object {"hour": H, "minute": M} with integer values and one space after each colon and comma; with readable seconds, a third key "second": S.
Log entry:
{"hour": 3, "minute": 40}
